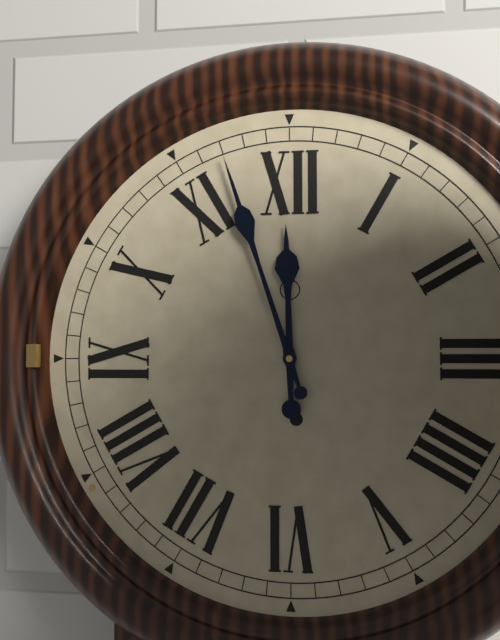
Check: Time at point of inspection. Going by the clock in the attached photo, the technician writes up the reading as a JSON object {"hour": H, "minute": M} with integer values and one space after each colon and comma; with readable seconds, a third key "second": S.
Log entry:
{"hour": 11, "minute": 57}
